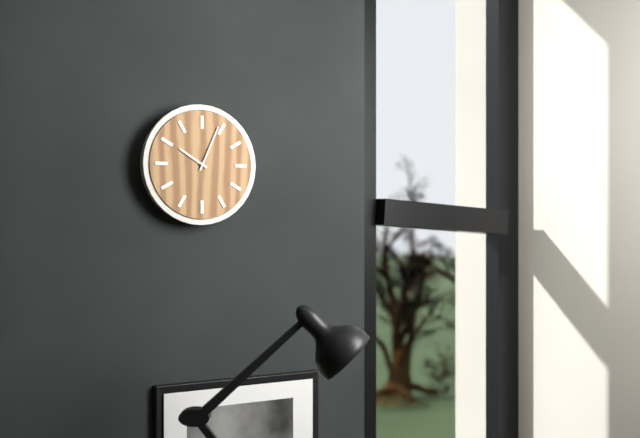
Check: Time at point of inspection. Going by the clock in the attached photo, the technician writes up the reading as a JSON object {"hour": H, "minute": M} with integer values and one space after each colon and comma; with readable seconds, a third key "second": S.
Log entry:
{"hour": 10, "minute": 4}
